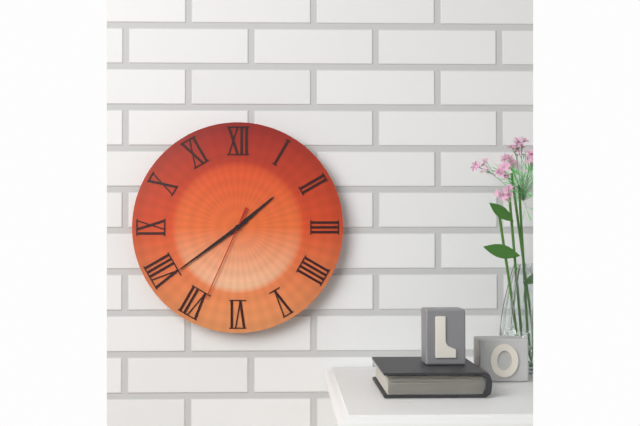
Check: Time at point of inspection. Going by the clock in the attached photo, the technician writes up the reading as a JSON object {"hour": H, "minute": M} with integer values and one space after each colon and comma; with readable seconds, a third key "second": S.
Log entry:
{"hour": 1, "minute": 39, "second": 34}
